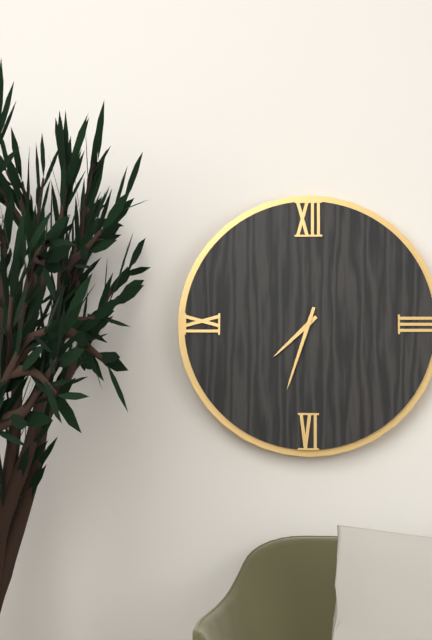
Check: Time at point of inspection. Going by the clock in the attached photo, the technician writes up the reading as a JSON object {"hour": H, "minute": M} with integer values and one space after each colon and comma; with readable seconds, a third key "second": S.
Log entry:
{"hour": 7, "minute": 33}
